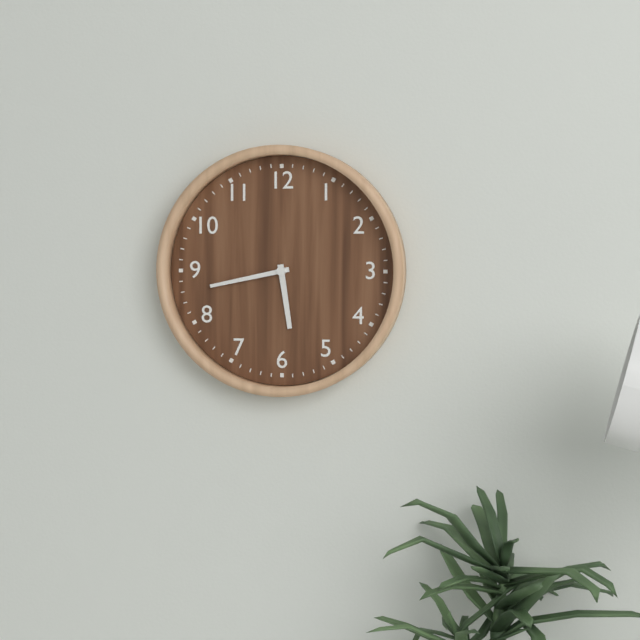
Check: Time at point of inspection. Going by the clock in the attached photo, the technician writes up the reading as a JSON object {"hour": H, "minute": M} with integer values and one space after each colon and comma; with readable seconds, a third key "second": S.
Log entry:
{"hour": 5, "minute": 43}
